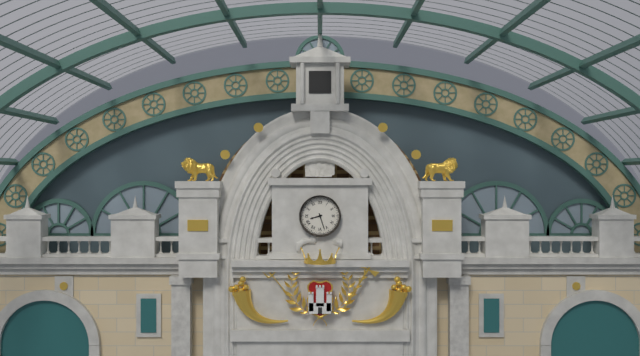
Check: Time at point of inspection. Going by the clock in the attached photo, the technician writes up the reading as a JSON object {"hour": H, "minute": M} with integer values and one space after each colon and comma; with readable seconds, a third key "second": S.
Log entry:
{"hour": 8, "minute": 27}
